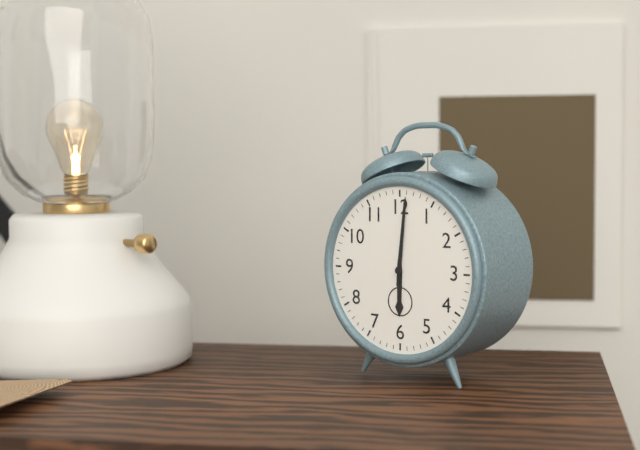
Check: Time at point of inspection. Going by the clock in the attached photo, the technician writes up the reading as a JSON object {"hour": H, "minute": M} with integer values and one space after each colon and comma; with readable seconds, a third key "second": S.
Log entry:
{"hour": 6, "minute": 1}
